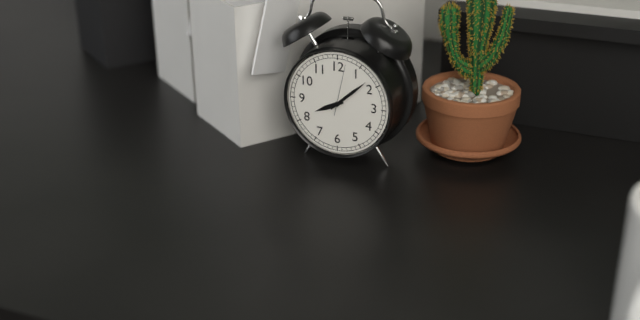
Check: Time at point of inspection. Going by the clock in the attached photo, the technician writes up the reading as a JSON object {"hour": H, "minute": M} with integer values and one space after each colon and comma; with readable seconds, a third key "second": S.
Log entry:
{"hour": 8, "minute": 8, "second": 2}
